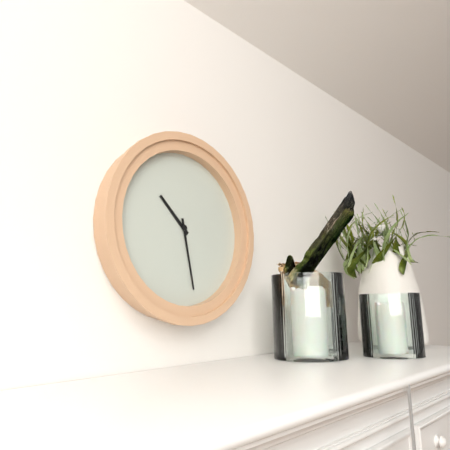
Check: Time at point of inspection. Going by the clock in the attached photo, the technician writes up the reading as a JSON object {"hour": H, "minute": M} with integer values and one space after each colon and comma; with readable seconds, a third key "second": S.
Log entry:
{"hour": 10, "minute": 28}
